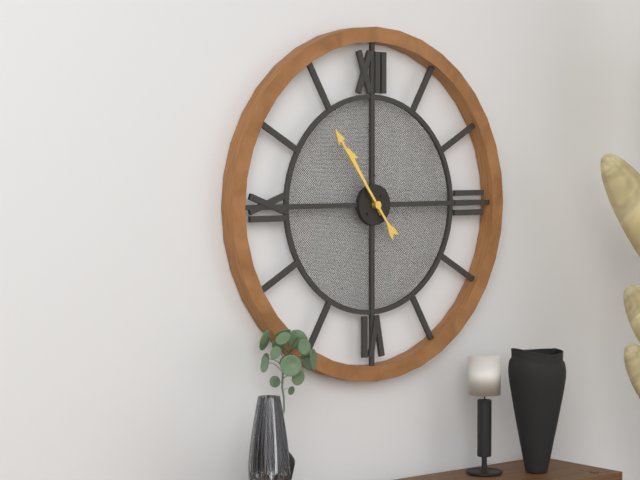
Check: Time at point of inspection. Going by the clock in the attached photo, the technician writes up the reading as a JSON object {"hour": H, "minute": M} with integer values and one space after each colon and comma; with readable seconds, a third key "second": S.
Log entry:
{"hour": 10, "minute": 54}
